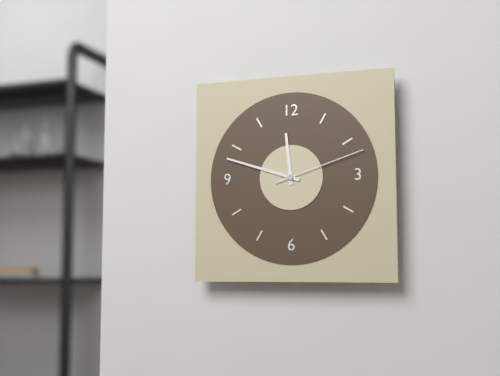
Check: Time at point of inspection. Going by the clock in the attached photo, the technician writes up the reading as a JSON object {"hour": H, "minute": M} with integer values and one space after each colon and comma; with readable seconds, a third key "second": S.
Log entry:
{"hour": 11, "minute": 48, "second": 12}
